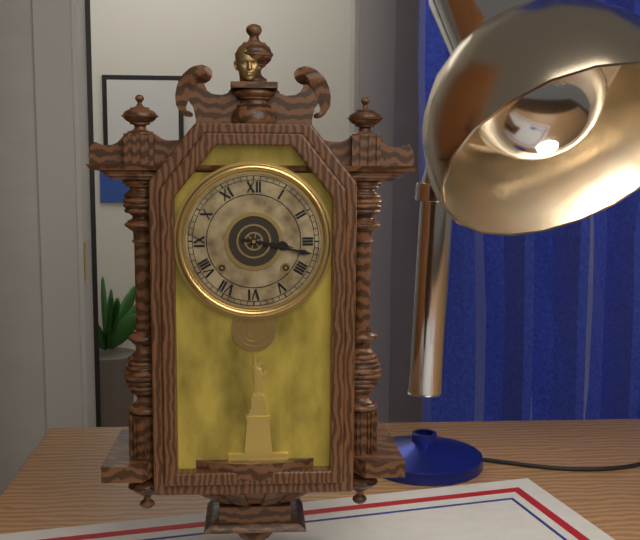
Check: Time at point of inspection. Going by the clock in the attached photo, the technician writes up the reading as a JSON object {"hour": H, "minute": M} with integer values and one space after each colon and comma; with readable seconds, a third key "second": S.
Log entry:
{"hour": 3, "minute": 17}
